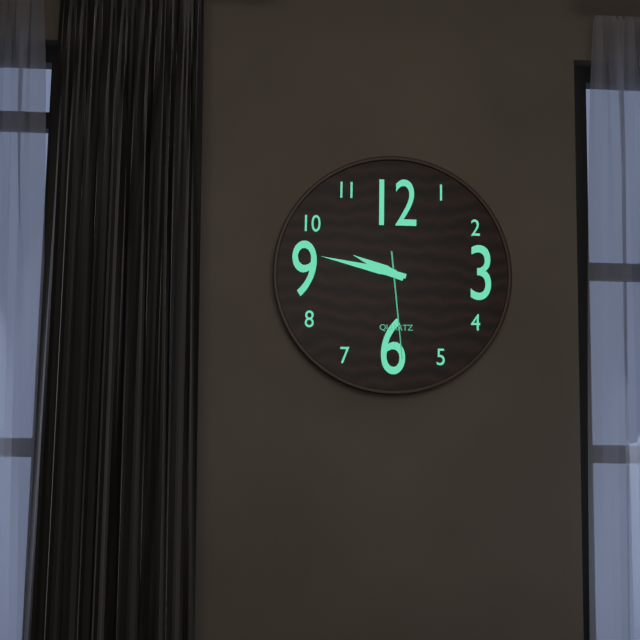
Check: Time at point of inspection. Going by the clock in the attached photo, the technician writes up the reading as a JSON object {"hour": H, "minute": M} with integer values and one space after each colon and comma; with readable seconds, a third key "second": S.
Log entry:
{"hour": 9, "minute": 47, "second": 29}
